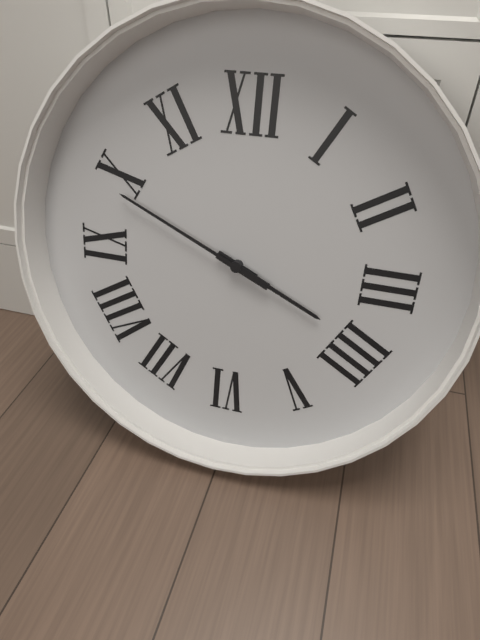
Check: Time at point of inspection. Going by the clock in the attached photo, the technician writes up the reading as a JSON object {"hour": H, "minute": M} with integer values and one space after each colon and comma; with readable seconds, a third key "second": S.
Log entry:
{"hour": 3, "minute": 49}
